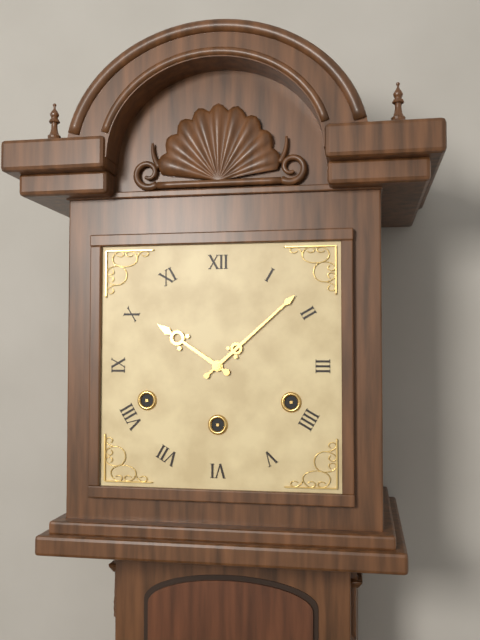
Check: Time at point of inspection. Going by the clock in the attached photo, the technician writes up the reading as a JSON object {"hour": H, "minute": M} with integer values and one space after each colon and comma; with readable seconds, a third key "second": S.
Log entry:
{"hour": 10, "minute": 8}
